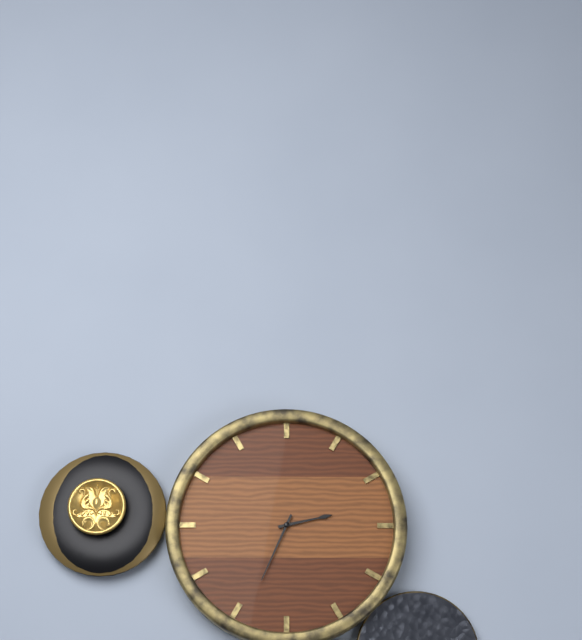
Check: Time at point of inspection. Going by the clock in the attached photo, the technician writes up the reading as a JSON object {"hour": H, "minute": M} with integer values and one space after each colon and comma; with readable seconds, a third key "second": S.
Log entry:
{"hour": 2, "minute": 34}
